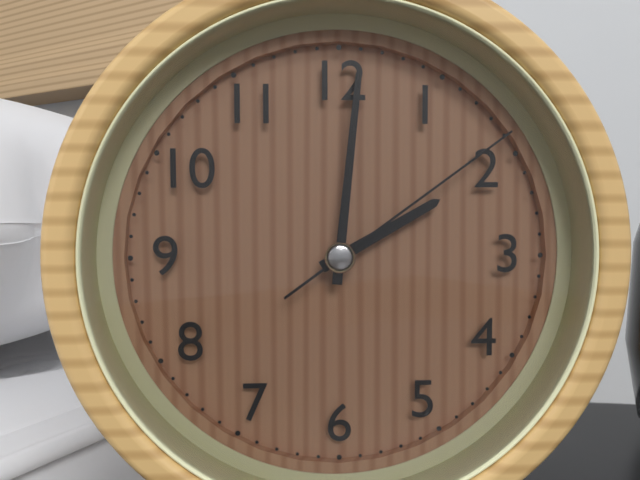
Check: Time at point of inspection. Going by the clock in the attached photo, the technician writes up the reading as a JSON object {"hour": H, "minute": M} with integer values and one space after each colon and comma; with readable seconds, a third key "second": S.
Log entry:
{"hour": 2, "minute": 1, "second": 9}
